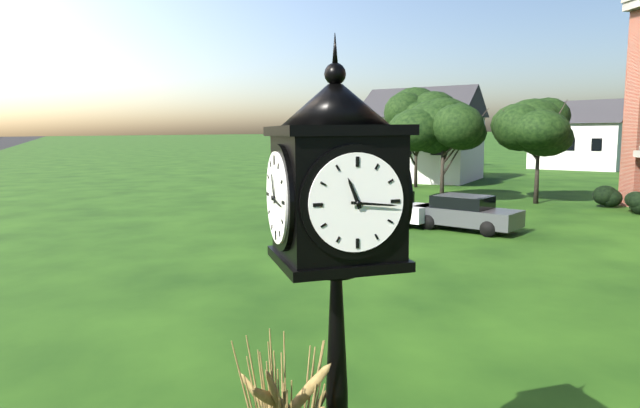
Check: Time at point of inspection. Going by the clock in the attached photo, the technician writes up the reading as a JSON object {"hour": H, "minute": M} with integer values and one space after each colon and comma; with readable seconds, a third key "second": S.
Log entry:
{"hour": 11, "minute": 16}
